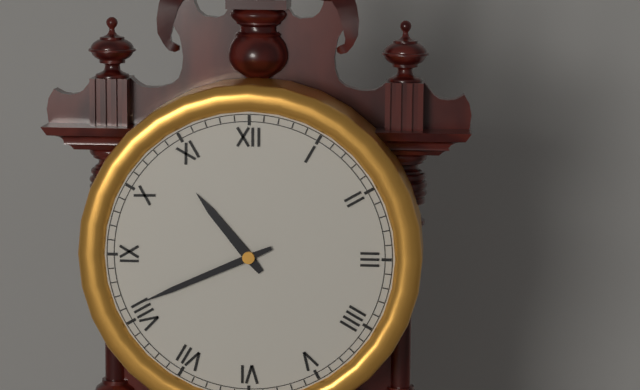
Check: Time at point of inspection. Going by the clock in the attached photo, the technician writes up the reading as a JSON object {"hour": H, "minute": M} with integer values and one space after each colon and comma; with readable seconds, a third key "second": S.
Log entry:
{"hour": 10, "minute": 41}
